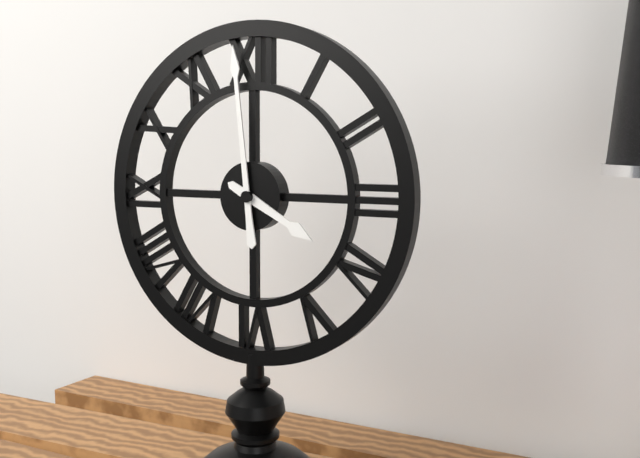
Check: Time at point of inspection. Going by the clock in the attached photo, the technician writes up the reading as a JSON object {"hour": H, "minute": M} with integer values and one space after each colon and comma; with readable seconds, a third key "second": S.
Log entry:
{"hour": 3, "minute": 59}
